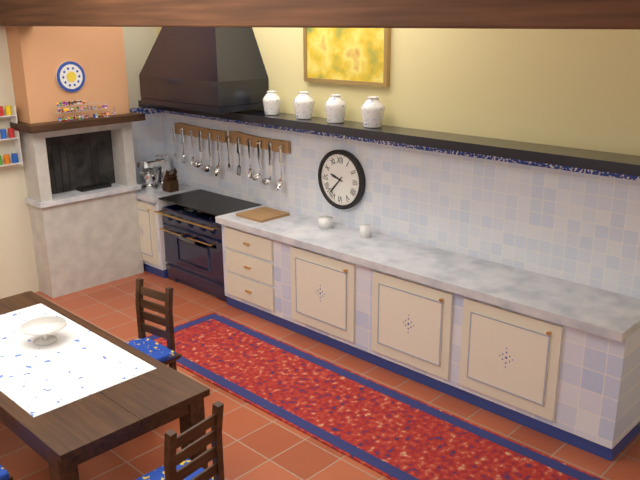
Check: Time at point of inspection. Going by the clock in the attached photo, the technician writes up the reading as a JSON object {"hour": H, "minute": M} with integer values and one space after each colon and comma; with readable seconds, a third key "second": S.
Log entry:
{"hour": 9, "minute": 37}
